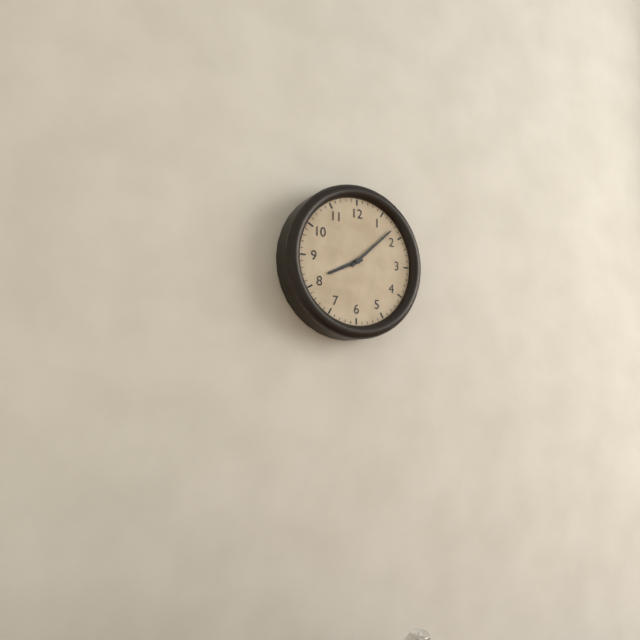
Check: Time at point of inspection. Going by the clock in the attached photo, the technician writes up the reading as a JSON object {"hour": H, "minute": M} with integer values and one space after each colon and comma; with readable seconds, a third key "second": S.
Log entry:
{"hour": 8, "minute": 8}
